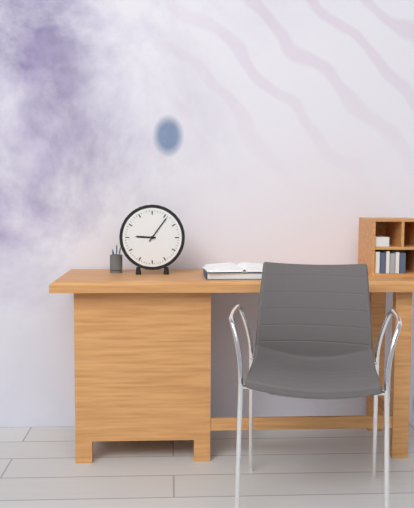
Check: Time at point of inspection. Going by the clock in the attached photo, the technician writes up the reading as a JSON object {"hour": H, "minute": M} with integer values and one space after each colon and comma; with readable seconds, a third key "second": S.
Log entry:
{"hour": 9, "minute": 6}
